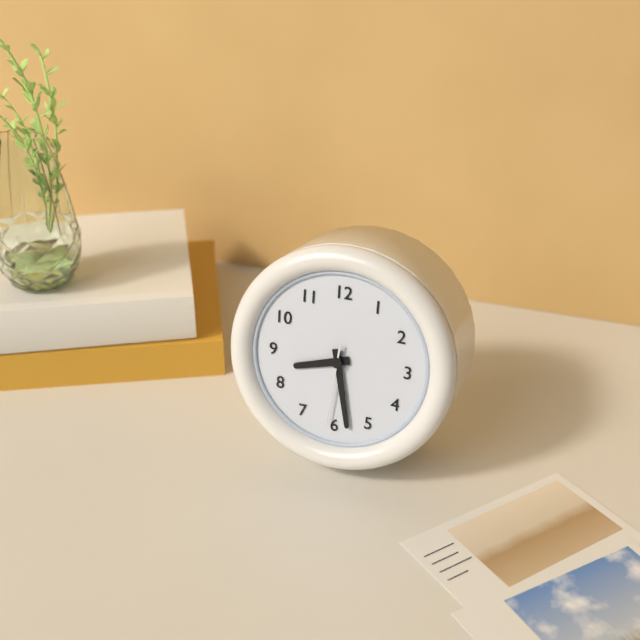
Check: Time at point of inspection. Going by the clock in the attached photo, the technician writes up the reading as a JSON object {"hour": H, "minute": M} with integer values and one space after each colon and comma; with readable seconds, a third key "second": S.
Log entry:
{"hour": 8, "minute": 28, "second": 31}
